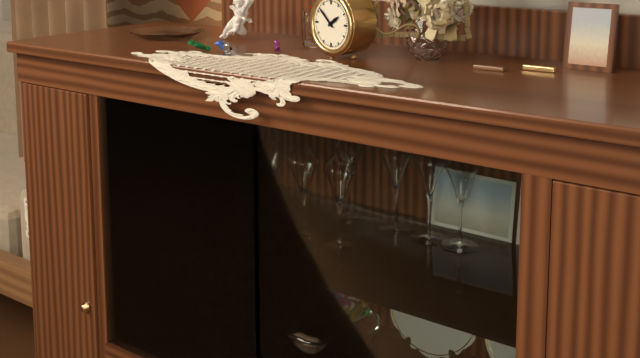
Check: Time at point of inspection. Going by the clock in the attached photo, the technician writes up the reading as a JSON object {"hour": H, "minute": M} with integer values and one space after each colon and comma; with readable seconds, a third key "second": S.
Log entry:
{"hour": 1, "minute": 52}
